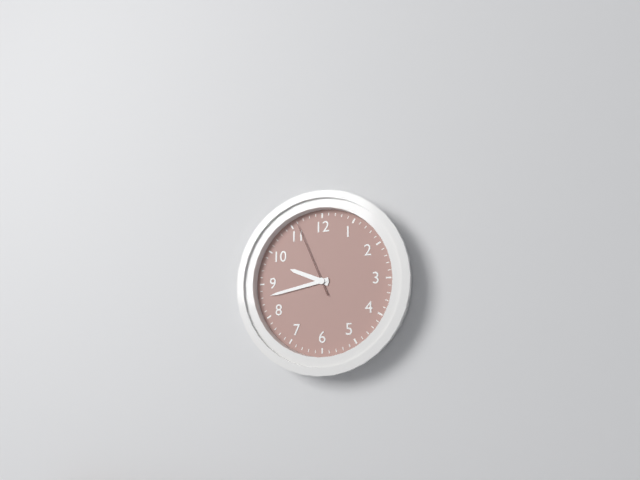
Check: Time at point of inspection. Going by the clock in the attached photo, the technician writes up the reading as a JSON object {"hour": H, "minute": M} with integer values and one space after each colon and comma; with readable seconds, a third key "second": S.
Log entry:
{"hour": 9, "minute": 43, "second": 56}
